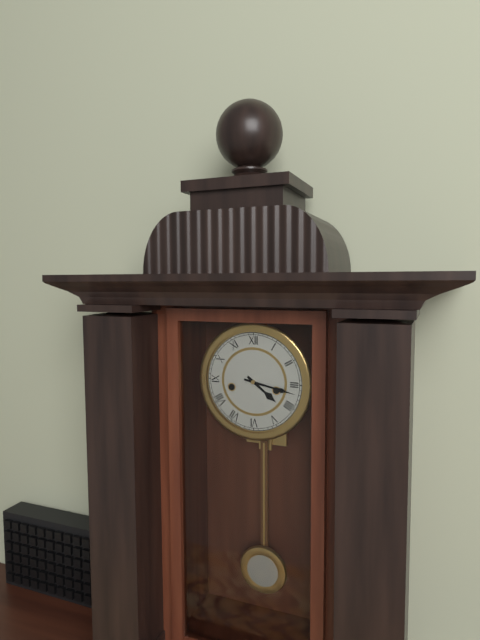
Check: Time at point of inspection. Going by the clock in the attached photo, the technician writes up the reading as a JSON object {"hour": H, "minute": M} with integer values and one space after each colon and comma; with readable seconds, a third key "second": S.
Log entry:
{"hour": 4, "minute": 17}
